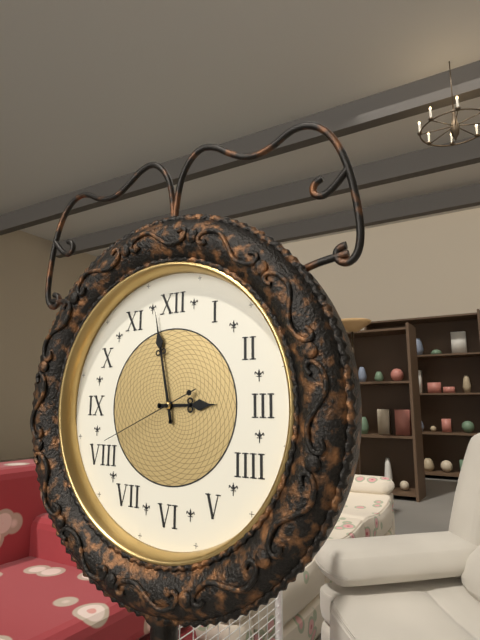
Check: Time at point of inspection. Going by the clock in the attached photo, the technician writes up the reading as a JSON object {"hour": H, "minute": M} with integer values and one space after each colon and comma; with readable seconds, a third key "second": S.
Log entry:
{"hour": 2, "minute": 58, "second": 41}
